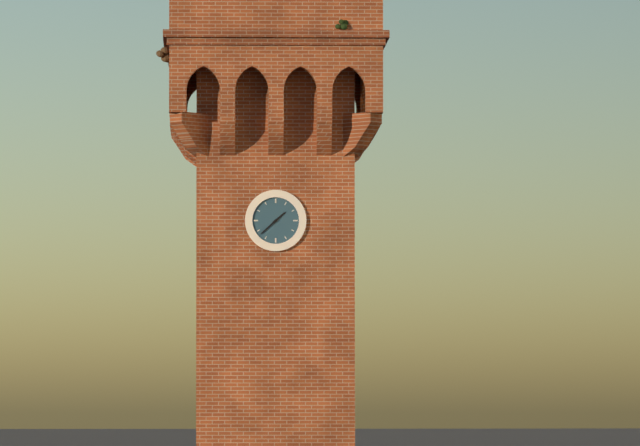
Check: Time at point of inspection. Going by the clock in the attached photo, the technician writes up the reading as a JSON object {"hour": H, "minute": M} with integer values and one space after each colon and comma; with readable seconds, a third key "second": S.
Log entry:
{"hour": 1, "minute": 38}
